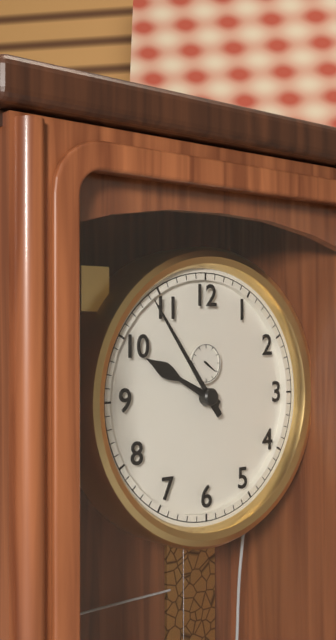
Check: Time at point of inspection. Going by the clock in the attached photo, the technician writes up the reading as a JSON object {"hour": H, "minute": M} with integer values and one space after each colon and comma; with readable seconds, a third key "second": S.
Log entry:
{"hour": 9, "minute": 54}
